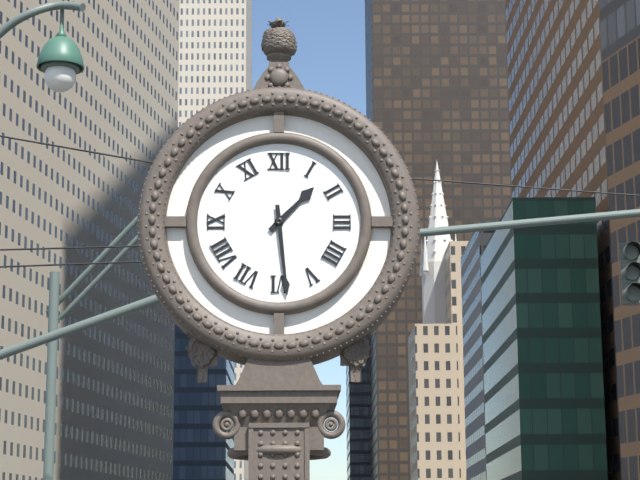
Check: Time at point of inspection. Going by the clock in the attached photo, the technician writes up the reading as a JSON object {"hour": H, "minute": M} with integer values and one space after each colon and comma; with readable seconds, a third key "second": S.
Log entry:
{"hour": 1, "minute": 29}
